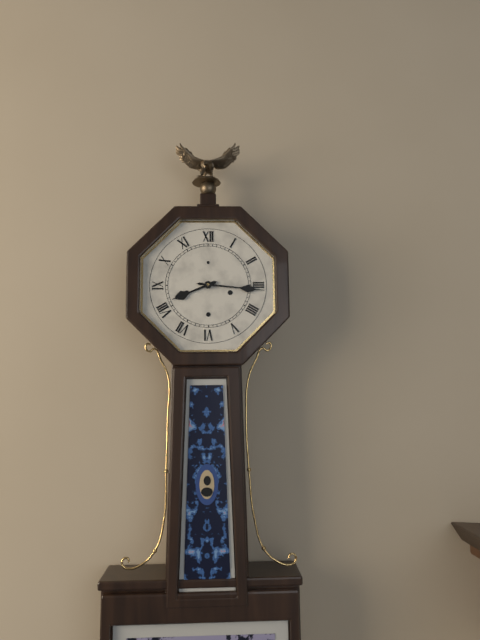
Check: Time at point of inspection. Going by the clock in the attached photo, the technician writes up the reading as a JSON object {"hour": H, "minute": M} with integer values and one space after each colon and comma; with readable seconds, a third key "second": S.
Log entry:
{"hour": 8, "minute": 16}
